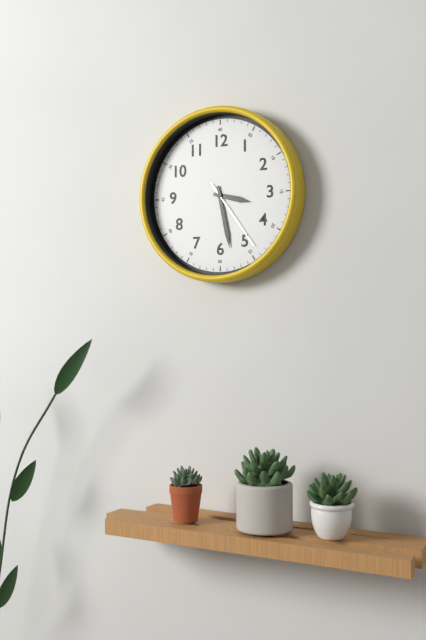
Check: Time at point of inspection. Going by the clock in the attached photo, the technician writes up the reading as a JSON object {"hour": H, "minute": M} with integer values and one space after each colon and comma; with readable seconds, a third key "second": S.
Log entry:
{"hour": 3, "minute": 28, "second": 24}
